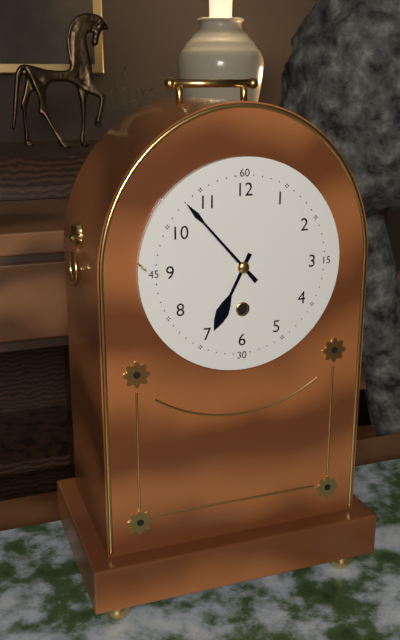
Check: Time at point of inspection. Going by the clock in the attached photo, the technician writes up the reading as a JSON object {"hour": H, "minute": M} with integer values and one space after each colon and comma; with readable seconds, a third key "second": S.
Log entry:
{"hour": 6, "minute": 53}
